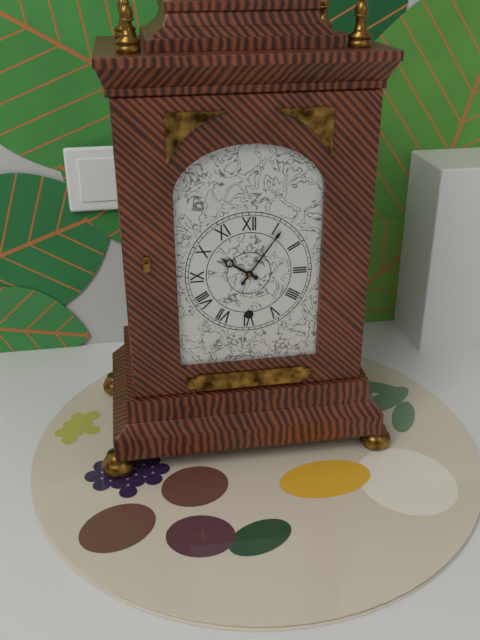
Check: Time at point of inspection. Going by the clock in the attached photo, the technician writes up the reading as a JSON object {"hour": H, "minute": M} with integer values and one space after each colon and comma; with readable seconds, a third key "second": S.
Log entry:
{"hour": 10, "minute": 6}
